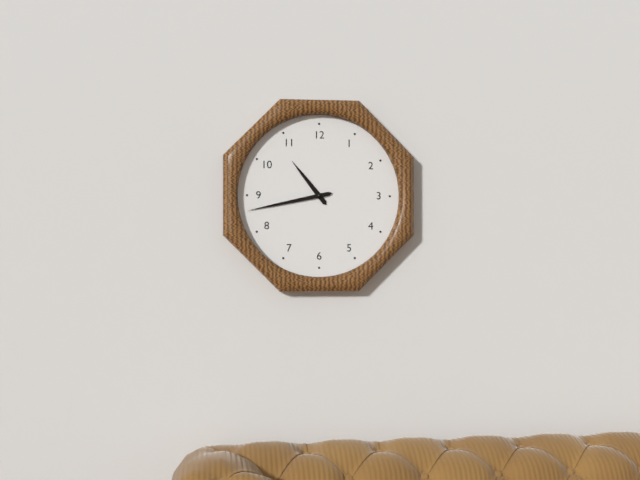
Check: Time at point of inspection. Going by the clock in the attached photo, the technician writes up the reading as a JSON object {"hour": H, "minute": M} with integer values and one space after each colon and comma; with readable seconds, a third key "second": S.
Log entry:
{"hour": 10, "minute": 43}
